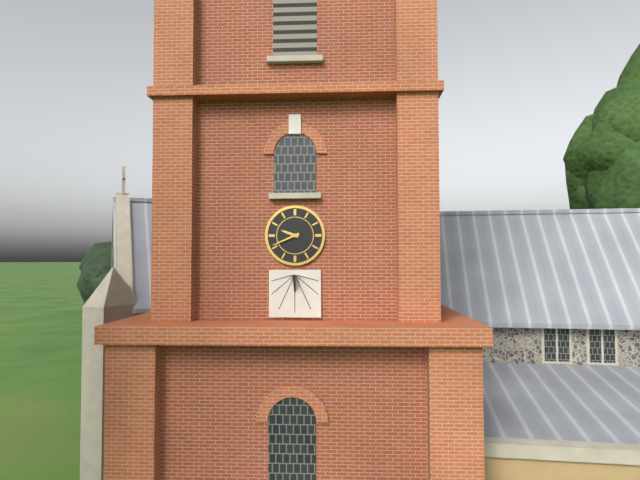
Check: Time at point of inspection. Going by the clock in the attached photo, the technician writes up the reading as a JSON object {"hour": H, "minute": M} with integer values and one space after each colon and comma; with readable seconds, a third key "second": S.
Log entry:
{"hour": 9, "minute": 41}
